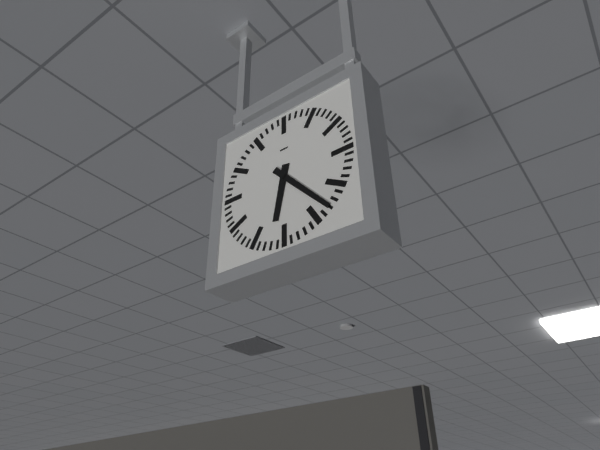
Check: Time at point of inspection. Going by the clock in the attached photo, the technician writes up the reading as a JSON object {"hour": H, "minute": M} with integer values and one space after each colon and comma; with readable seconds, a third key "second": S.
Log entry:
{"hour": 6, "minute": 23}
